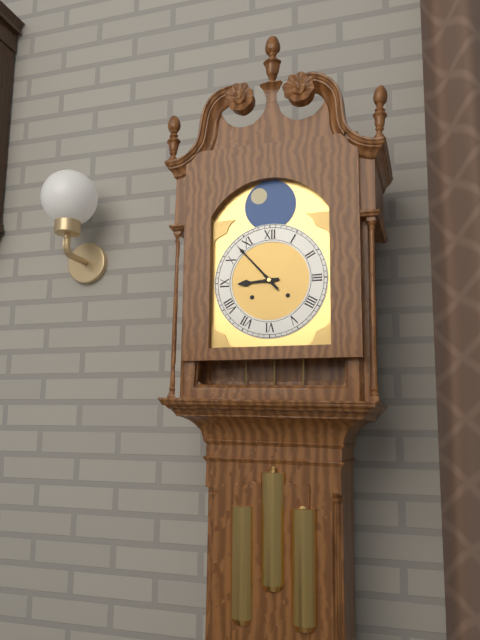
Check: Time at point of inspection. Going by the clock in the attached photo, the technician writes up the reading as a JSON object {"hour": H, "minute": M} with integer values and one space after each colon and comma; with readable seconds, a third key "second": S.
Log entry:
{"hour": 8, "minute": 53}
